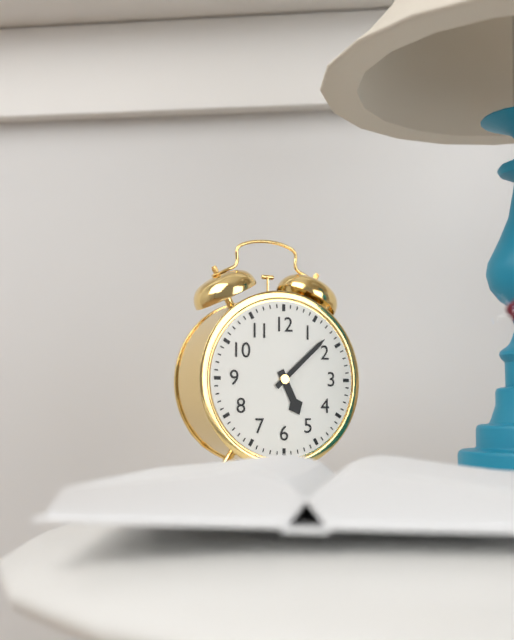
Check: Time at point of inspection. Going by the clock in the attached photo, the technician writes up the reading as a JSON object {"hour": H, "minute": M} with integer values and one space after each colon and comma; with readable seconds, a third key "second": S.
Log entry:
{"hour": 5, "minute": 8}
